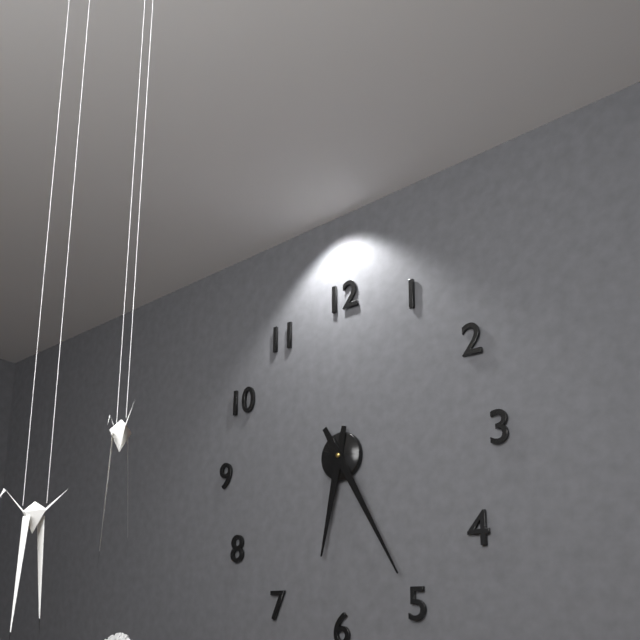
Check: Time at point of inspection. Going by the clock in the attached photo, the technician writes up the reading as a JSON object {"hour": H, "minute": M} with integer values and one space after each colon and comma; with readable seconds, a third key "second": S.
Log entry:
{"hour": 6, "minute": 25}
